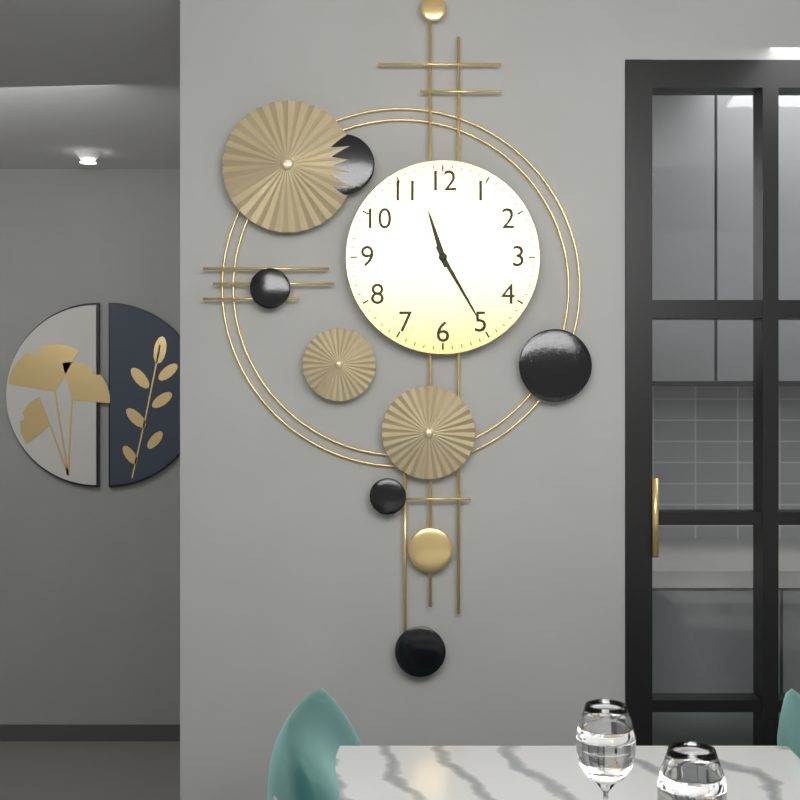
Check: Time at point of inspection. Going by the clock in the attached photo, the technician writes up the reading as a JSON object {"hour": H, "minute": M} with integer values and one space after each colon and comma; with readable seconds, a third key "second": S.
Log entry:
{"hour": 11, "minute": 25}
